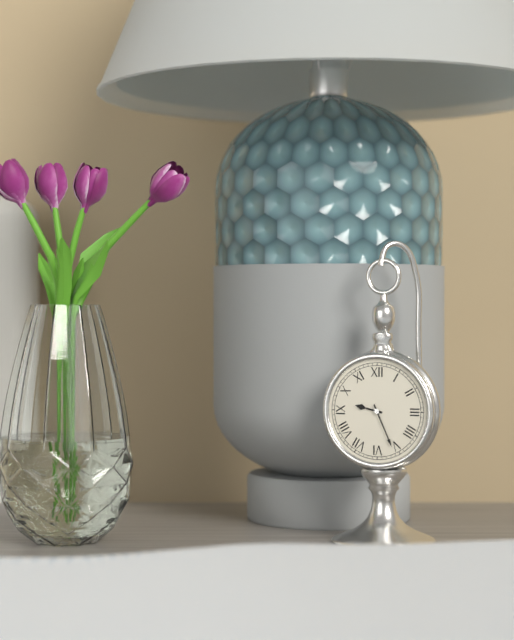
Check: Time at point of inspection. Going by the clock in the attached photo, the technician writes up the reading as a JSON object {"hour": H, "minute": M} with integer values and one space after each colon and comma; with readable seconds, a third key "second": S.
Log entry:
{"hour": 9, "minute": 26}
